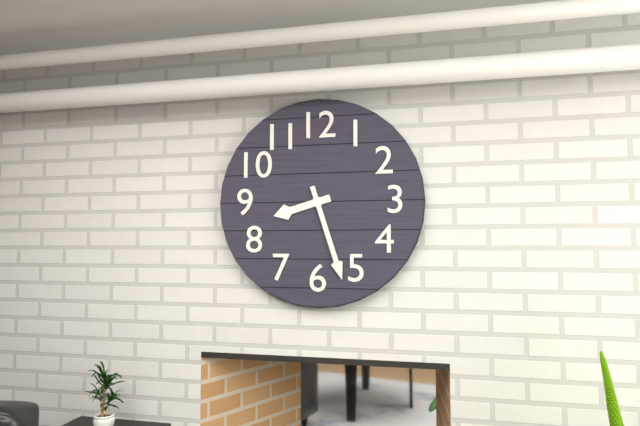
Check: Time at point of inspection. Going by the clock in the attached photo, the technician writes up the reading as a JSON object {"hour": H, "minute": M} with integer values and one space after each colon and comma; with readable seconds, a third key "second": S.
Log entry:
{"hour": 8, "minute": 27}
